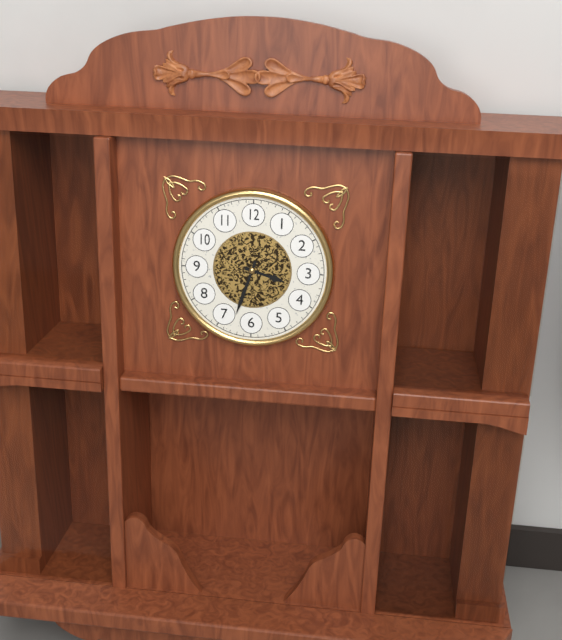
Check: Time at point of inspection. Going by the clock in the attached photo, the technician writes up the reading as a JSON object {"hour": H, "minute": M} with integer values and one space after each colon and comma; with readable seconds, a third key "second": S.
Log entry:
{"hour": 3, "minute": 33}
